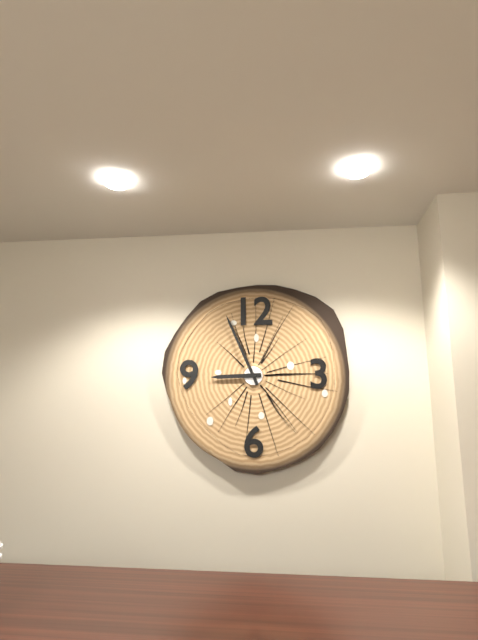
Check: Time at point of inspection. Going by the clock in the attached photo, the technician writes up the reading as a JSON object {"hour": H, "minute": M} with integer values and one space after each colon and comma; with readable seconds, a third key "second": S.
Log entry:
{"hour": 8, "minute": 56}
